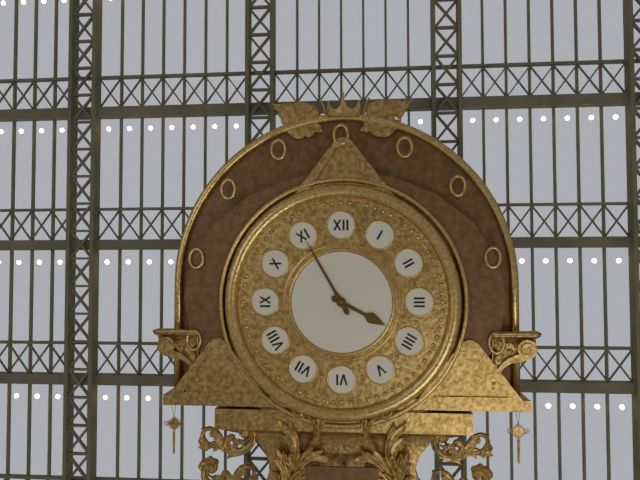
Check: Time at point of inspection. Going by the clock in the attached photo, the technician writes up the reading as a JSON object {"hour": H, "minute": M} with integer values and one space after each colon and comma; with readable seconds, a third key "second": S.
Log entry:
{"hour": 3, "minute": 55}
